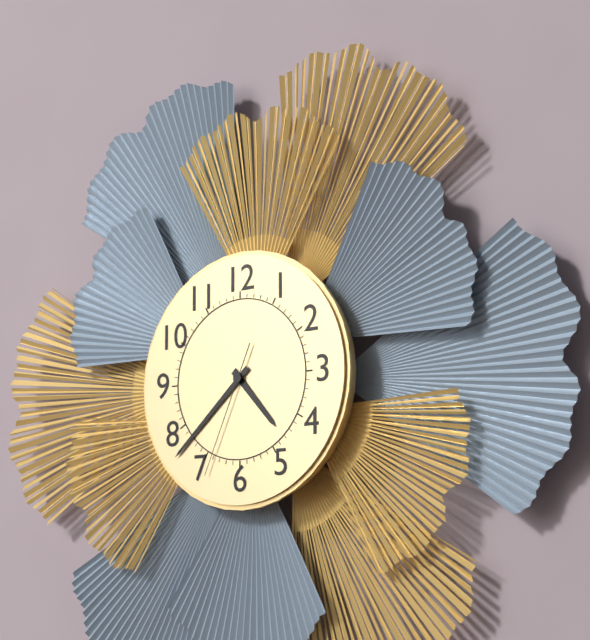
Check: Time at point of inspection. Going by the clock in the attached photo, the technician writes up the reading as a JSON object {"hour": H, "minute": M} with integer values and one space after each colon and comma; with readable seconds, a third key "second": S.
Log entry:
{"hour": 4, "minute": 38, "second": 34}
